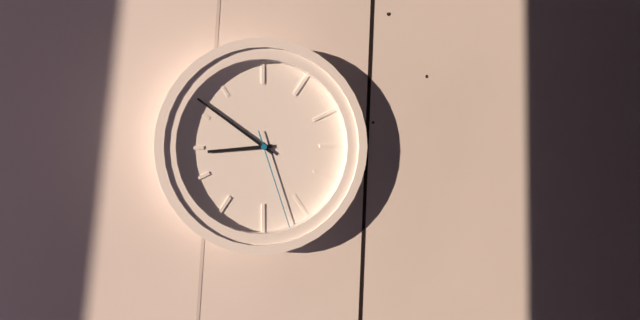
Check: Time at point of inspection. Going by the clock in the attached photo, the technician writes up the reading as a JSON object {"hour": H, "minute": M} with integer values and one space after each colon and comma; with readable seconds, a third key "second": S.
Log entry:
{"hour": 8, "minute": 51, "second": 27}
